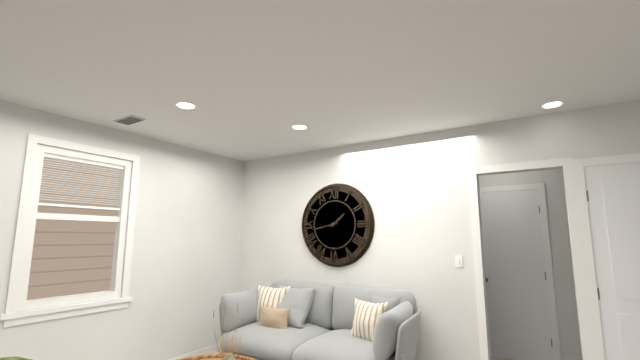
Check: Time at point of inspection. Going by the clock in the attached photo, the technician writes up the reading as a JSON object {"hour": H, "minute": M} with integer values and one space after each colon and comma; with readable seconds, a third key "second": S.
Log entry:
{"hour": 1, "minute": 43}
